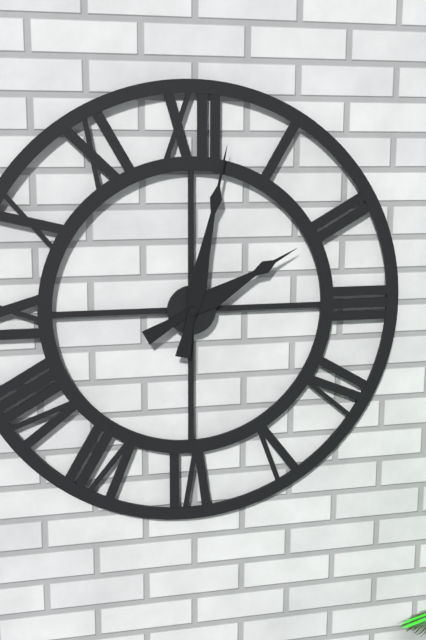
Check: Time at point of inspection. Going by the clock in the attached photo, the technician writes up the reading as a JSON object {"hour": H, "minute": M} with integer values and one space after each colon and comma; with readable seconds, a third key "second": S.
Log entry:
{"hour": 2, "minute": 2}
